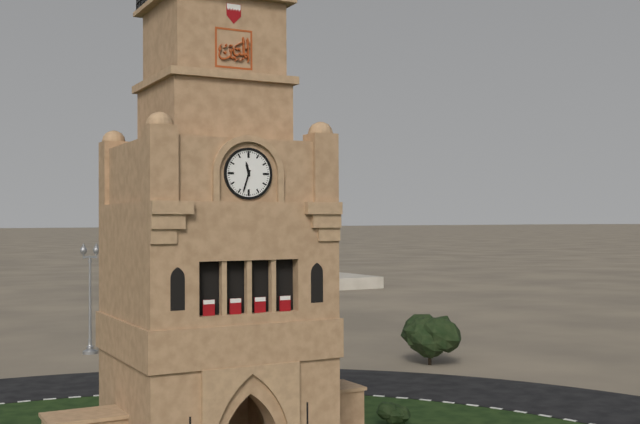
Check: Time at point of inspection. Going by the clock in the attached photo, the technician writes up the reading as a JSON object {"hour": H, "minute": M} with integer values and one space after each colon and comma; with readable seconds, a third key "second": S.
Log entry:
{"hour": 11, "minute": 33}
